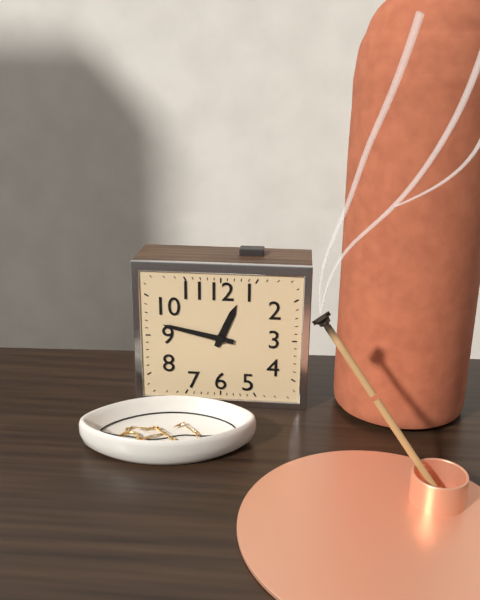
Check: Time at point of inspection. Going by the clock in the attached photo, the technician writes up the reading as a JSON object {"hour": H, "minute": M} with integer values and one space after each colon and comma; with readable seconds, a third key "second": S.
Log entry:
{"hour": 12, "minute": 47}
